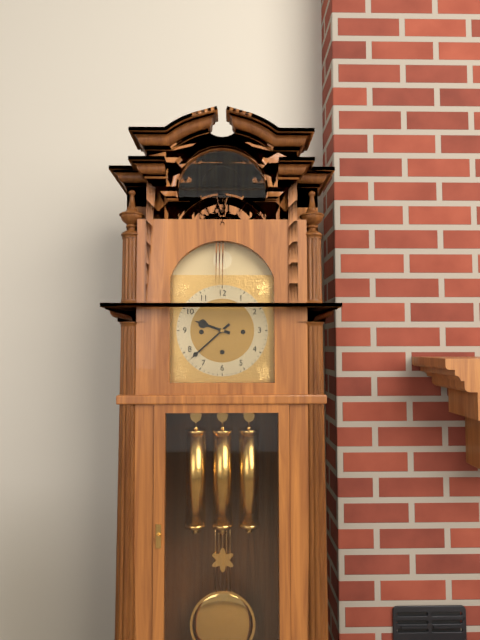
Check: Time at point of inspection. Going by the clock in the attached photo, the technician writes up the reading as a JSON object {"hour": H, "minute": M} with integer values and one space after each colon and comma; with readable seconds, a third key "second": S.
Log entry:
{"hour": 9, "minute": 38}
